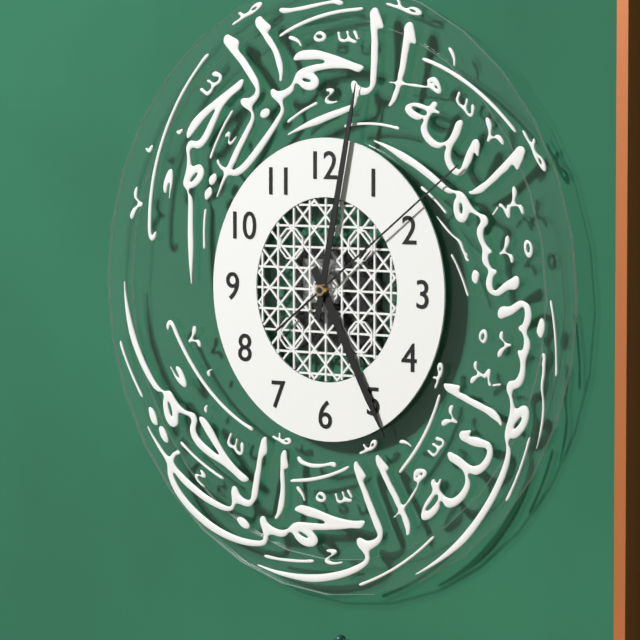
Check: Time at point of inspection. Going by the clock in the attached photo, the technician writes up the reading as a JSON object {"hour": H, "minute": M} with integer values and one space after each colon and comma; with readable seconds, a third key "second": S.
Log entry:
{"hour": 5, "minute": 2, "second": 9}
